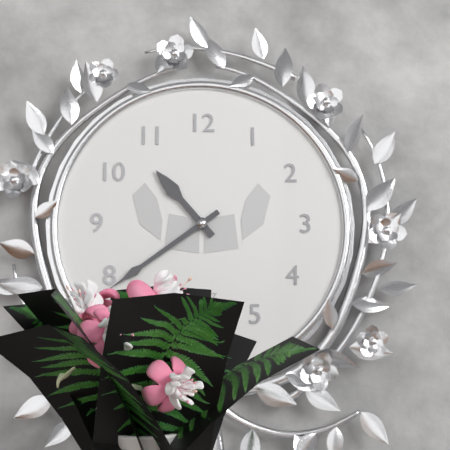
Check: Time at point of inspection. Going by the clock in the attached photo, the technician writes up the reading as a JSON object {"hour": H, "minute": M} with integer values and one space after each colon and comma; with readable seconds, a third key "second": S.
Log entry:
{"hour": 10, "minute": 39}
